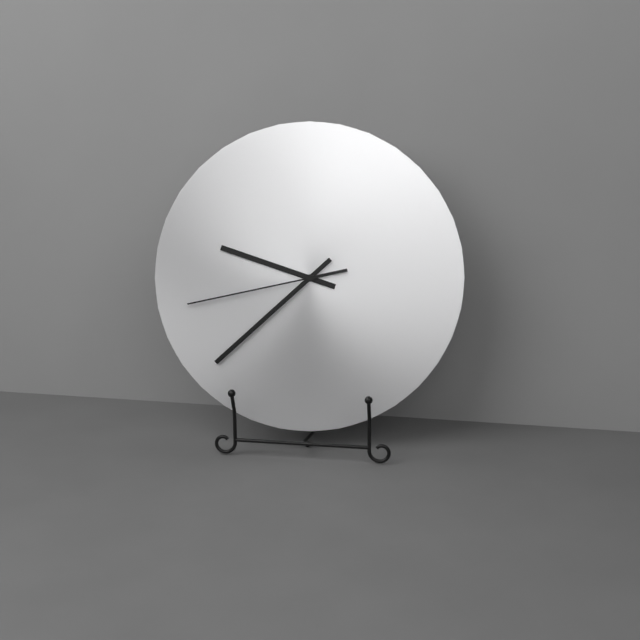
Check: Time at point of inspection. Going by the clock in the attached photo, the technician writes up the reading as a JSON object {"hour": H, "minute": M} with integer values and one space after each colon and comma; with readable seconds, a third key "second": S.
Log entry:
{"hour": 9, "minute": 38, "second": 43}
